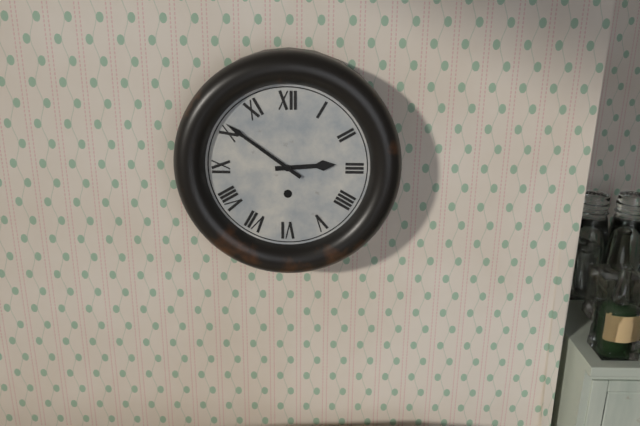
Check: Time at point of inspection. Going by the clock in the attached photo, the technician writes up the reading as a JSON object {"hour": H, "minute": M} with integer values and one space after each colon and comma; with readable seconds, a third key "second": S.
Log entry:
{"hour": 2, "minute": 51}
